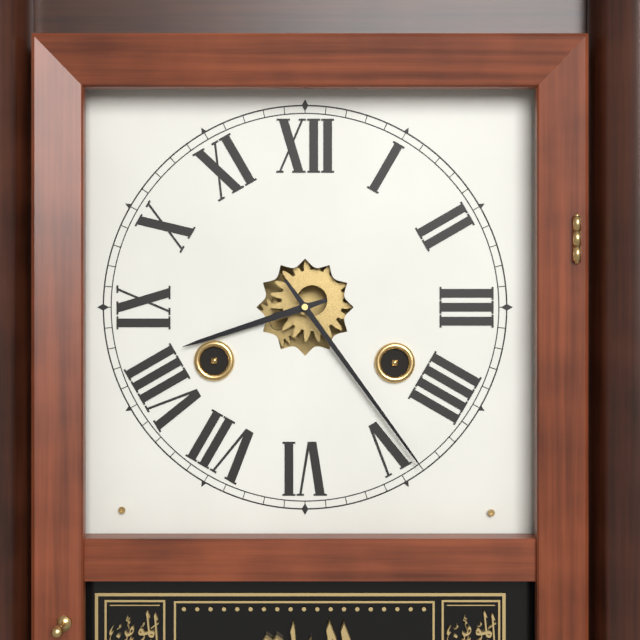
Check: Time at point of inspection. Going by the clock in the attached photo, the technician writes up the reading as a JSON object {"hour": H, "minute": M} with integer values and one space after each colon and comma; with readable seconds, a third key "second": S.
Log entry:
{"hour": 8, "minute": 24}
